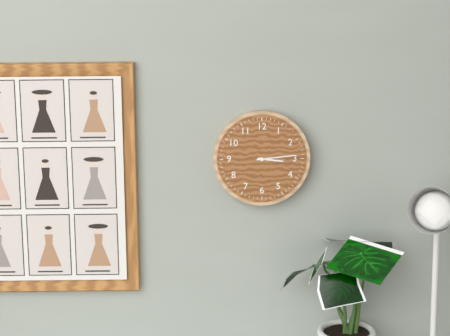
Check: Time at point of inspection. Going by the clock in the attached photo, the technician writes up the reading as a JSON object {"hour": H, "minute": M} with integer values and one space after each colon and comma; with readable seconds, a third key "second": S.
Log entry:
{"hour": 3, "minute": 14}
